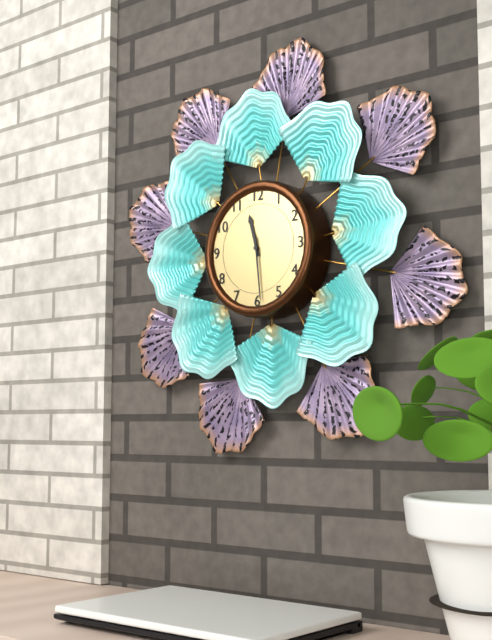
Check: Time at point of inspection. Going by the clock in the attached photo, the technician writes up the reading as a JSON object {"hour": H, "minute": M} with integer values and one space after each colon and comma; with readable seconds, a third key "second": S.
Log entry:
{"hour": 11, "minute": 29}
